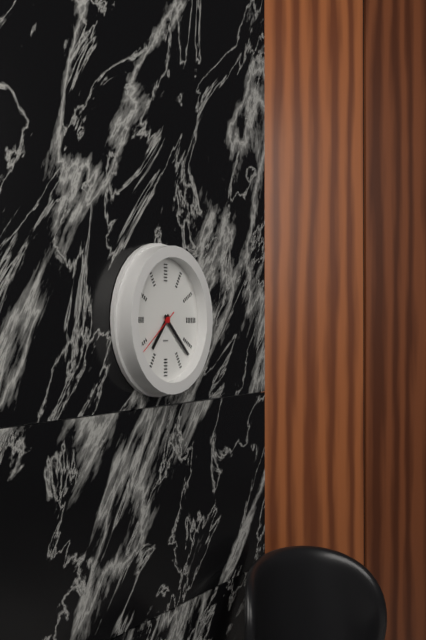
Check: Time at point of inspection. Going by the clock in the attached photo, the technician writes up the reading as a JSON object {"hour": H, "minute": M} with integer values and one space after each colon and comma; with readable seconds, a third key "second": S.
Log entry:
{"hour": 7, "minute": 22, "second": 39}
